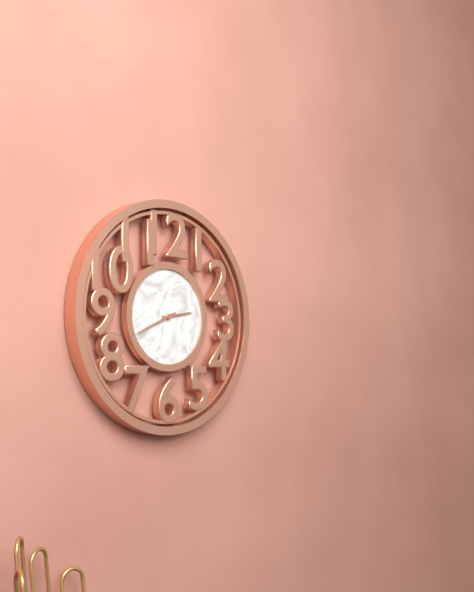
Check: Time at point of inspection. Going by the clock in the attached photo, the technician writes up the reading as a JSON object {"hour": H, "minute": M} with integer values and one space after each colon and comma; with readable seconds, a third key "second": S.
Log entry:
{"hour": 2, "minute": 41}
